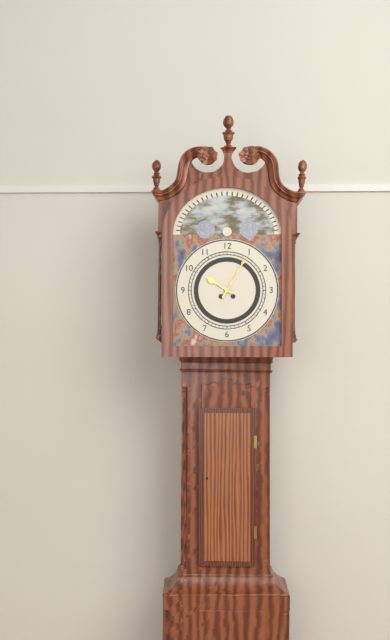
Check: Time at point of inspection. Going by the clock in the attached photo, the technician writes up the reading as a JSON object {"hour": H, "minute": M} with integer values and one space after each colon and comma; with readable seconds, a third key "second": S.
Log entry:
{"hour": 10, "minute": 5}
